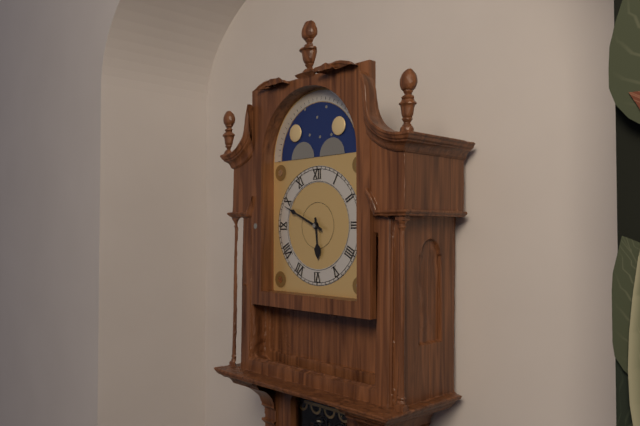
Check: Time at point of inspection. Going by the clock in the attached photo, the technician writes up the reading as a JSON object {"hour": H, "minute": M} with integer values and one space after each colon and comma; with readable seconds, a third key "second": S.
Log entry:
{"hour": 5, "minute": 49}
